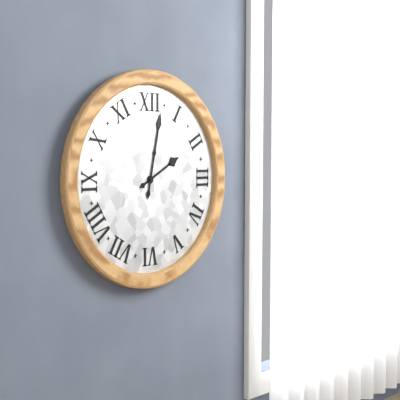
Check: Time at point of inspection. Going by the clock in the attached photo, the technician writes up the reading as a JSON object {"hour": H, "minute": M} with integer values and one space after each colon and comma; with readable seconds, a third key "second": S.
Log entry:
{"hour": 2, "minute": 2}
